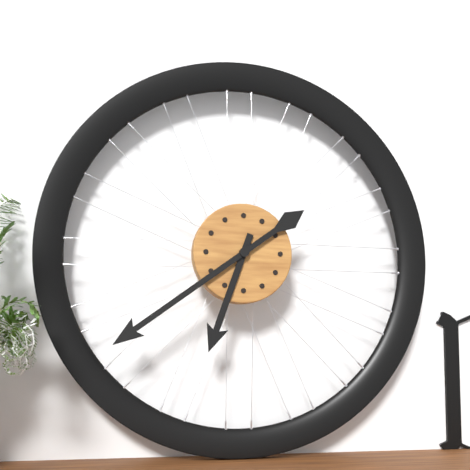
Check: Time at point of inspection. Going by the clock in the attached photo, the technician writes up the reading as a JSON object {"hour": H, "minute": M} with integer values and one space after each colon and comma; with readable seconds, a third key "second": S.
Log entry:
{"hour": 6, "minute": 39}
